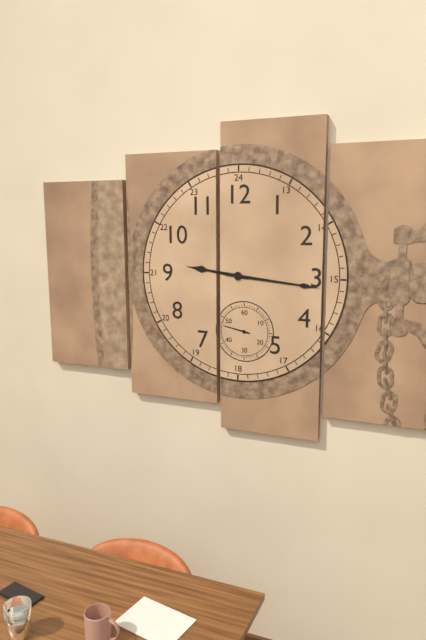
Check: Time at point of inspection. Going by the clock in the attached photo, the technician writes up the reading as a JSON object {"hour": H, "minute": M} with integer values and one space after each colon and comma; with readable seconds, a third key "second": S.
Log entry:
{"hour": 9, "minute": 16}
